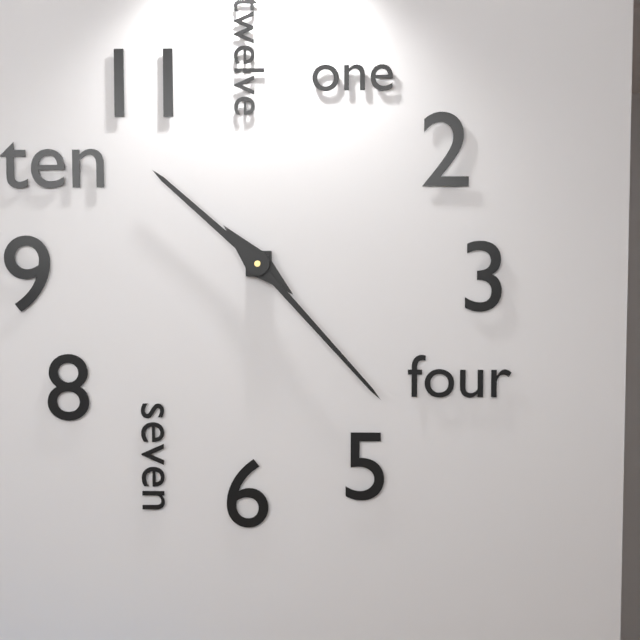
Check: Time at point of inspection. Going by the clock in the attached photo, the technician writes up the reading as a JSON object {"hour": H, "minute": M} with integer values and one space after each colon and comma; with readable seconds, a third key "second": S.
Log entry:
{"hour": 10, "minute": 23}
